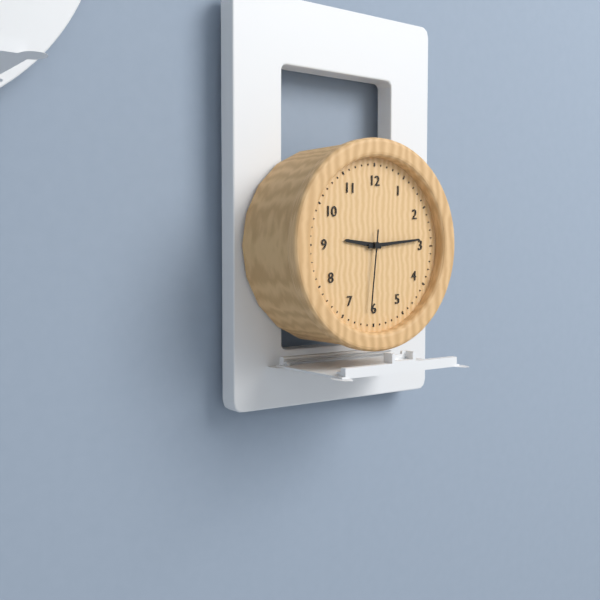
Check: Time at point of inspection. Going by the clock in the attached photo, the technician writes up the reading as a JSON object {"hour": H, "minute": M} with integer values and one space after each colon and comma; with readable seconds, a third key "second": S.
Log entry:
{"hour": 9, "minute": 14, "second": 31}
